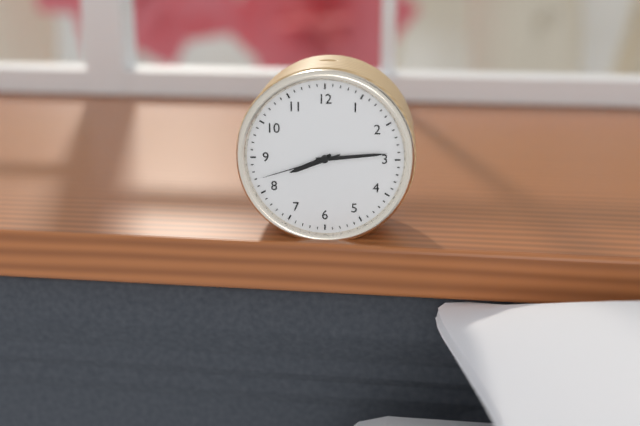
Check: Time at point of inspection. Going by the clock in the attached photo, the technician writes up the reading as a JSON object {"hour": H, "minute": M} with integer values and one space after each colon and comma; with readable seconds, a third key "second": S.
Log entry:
{"hour": 8, "minute": 14, "second": 42}
